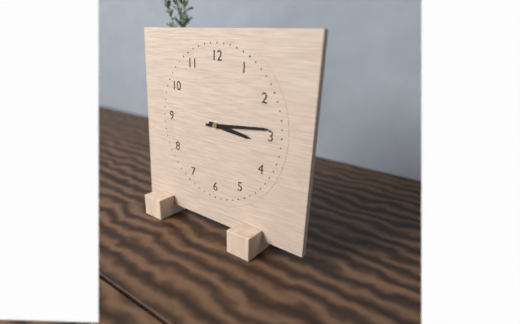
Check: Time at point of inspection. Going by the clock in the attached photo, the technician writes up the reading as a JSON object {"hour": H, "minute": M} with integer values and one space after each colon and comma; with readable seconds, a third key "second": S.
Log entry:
{"hour": 3, "minute": 14}
